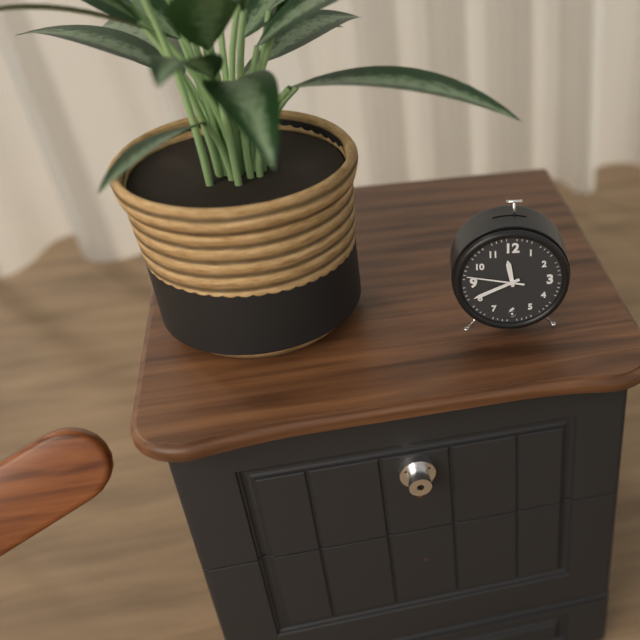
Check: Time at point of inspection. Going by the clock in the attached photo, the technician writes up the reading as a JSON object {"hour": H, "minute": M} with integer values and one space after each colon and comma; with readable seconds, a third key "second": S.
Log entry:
{"hour": 11, "minute": 41, "second": 47}
